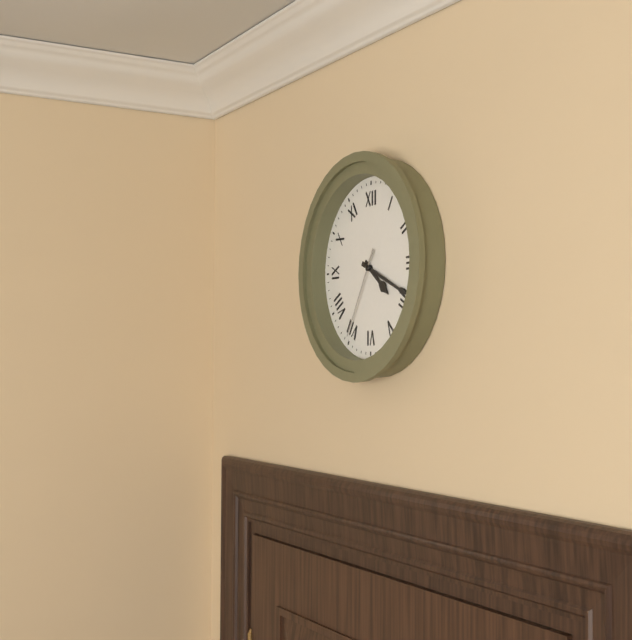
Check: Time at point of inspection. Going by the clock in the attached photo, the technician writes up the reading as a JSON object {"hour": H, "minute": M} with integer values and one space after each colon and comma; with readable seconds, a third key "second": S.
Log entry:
{"hour": 4, "minute": 19, "second": 35}
